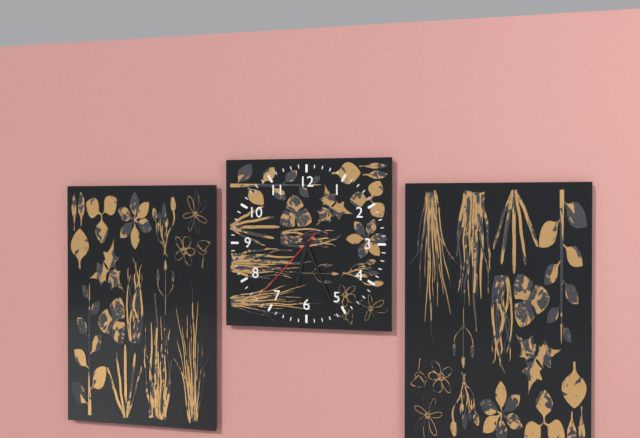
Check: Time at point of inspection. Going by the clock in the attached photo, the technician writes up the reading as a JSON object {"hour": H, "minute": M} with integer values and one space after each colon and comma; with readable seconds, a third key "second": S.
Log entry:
{"hour": 6, "minute": 26, "second": 37}
